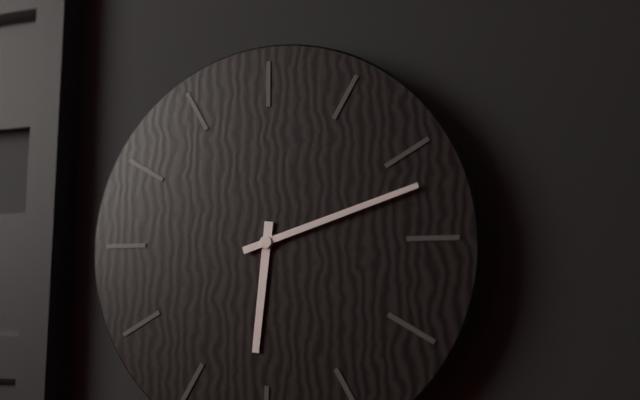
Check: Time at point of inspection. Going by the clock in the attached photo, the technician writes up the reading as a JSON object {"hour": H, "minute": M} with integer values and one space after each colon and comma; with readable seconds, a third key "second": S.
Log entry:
{"hour": 6, "minute": 12}
